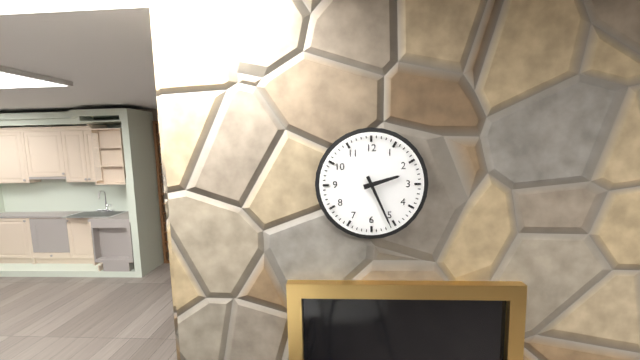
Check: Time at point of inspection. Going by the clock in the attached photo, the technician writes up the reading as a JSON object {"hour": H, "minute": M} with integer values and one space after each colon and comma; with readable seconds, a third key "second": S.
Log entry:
{"hour": 2, "minute": 26}
